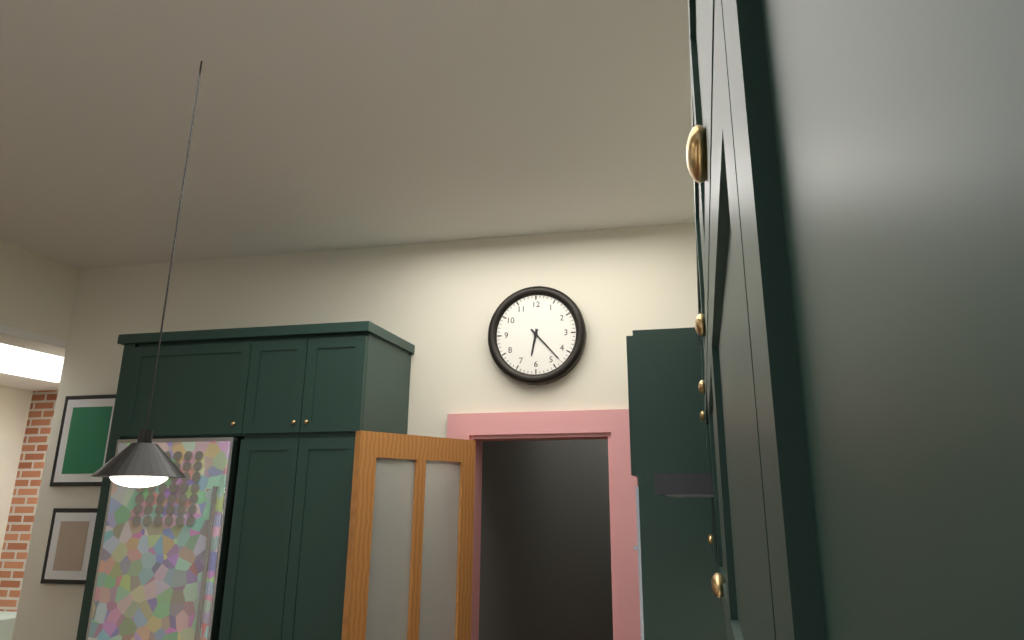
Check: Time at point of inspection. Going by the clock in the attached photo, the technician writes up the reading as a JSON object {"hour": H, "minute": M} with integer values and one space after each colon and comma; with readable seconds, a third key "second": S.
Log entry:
{"hour": 6, "minute": 23}
